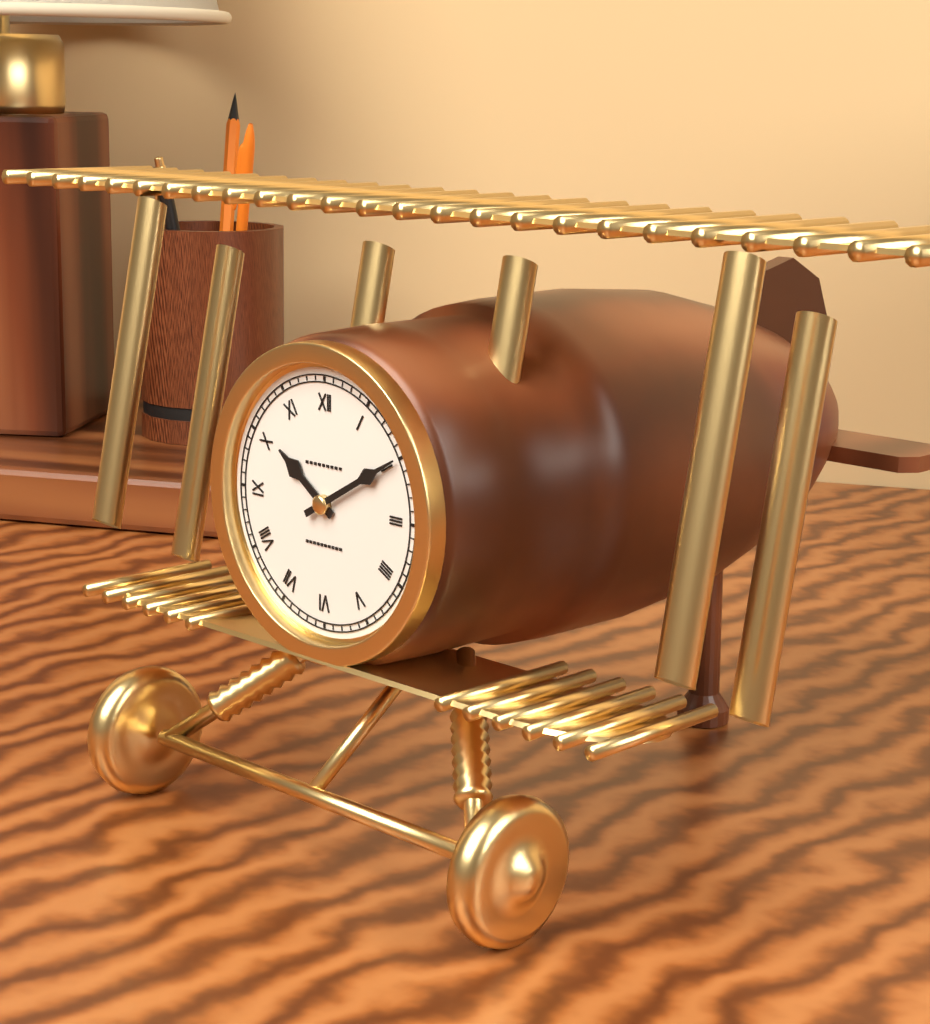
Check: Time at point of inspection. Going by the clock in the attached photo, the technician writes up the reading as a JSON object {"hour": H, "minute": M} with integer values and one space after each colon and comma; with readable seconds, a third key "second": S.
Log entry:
{"hour": 10, "minute": 10}
